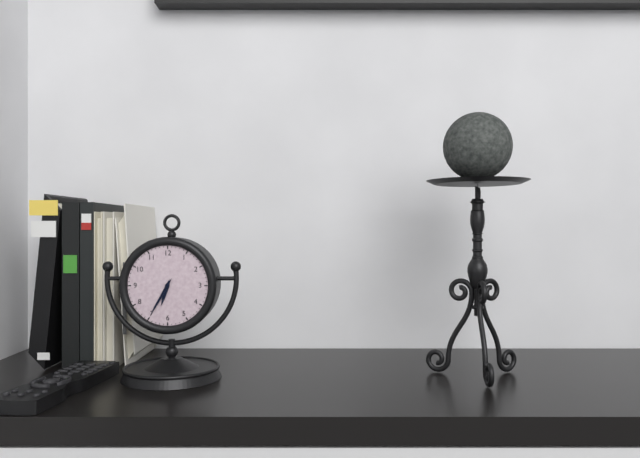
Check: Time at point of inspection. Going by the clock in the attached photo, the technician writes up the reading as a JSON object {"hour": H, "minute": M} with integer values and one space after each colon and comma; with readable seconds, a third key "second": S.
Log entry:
{"hour": 6, "minute": 35}
